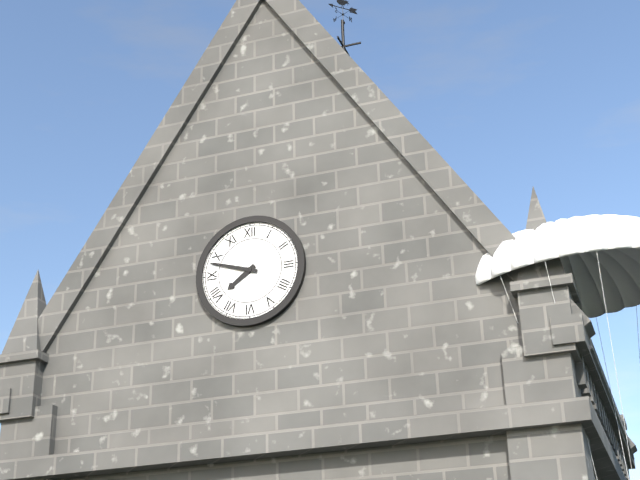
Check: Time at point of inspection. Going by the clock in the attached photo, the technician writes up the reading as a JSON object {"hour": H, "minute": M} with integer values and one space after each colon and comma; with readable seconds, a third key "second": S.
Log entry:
{"hour": 7, "minute": 48}
